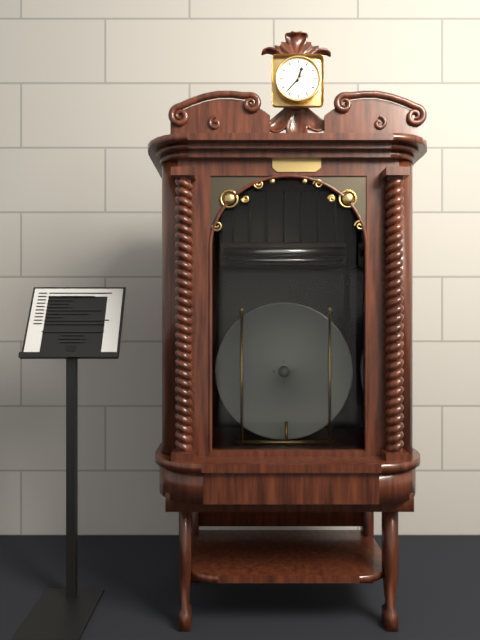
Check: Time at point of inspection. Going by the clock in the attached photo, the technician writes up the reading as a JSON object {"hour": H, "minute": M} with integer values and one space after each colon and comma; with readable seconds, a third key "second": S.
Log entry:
{"hour": 12, "minute": 37}
